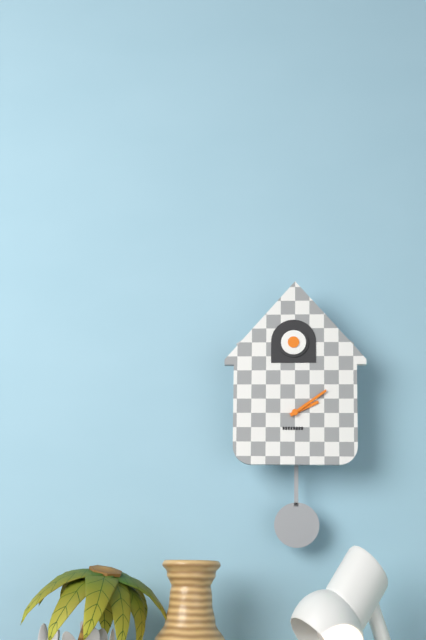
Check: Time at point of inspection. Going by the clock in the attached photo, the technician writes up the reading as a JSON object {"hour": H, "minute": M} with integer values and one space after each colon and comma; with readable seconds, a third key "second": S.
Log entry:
{"hour": 2, "minute": 9}
